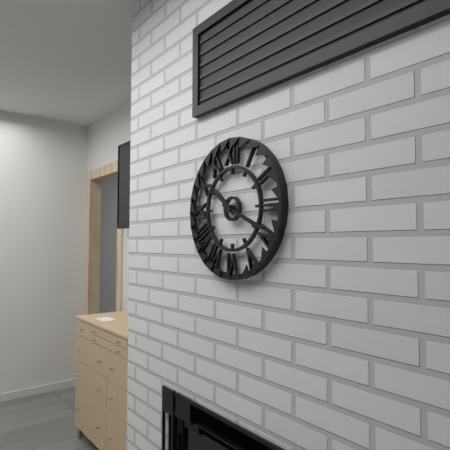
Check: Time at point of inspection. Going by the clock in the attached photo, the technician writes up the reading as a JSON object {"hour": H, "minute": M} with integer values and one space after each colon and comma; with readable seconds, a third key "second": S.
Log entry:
{"hour": 10, "minute": 19}
